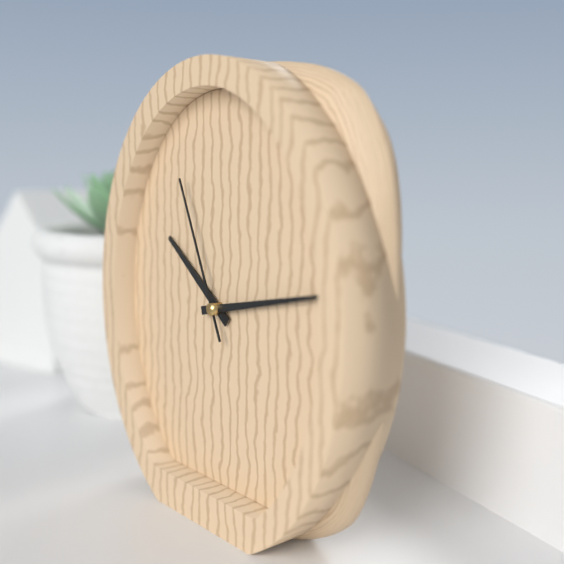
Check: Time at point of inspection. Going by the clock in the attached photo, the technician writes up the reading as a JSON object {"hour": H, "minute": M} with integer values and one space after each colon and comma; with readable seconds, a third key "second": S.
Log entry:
{"hour": 10, "minute": 13, "second": 56}
